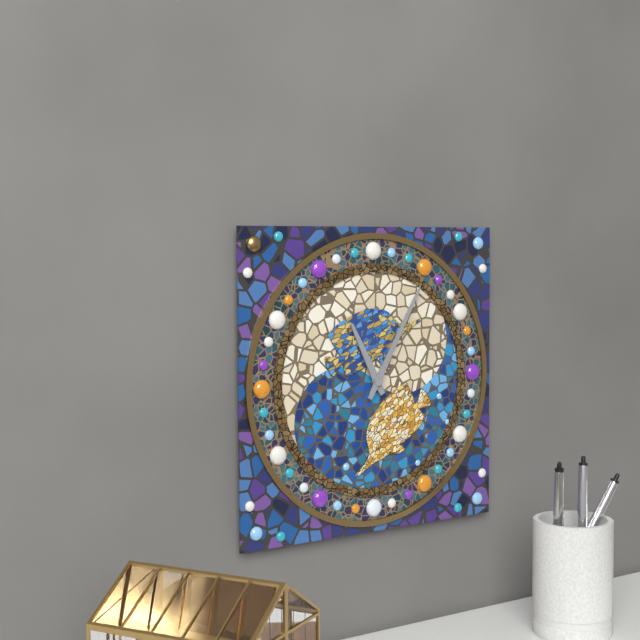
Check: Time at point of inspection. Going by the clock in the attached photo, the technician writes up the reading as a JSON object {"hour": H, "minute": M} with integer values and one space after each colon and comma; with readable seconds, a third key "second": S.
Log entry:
{"hour": 11, "minute": 5}
